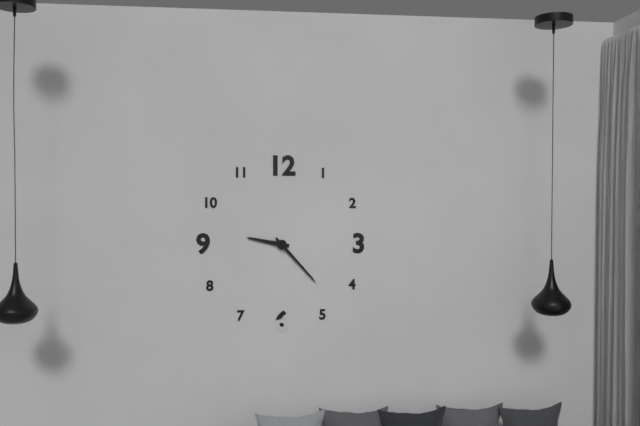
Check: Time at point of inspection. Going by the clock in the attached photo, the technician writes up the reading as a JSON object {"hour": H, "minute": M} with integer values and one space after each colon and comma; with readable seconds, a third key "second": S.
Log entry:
{"hour": 9, "minute": 23}
